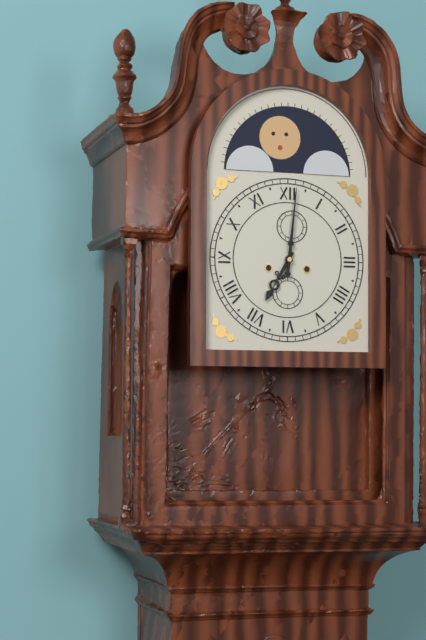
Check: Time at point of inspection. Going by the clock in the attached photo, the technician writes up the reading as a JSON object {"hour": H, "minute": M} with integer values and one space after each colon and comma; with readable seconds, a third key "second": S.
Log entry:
{"hour": 7, "minute": 1}
